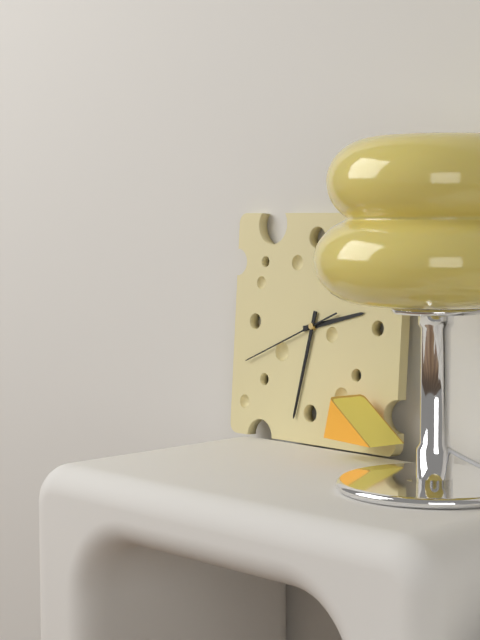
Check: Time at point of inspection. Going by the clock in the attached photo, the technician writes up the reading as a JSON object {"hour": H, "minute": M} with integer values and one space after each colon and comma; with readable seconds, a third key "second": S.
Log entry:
{"hour": 2, "minute": 32, "second": 41}
